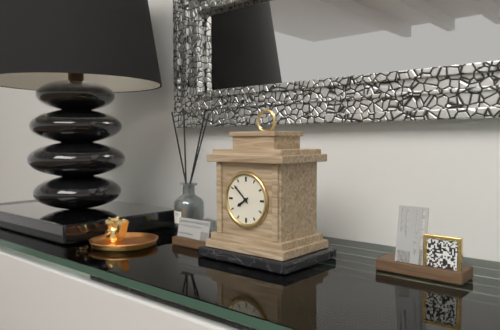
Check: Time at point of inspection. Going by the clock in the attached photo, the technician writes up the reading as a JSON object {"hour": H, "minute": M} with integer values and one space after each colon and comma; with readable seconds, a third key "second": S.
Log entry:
{"hour": 7, "minute": 52}
